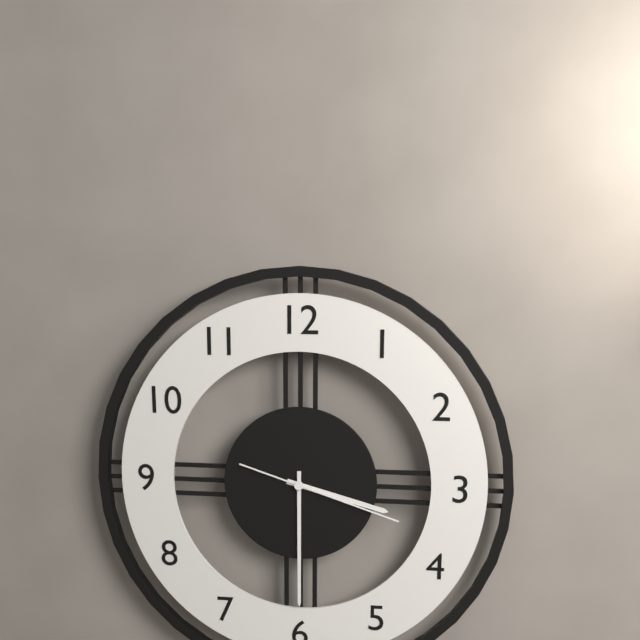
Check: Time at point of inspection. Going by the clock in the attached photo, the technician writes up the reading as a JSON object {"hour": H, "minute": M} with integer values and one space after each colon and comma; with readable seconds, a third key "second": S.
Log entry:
{"hour": 3, "minute": 30, "second": 18}
